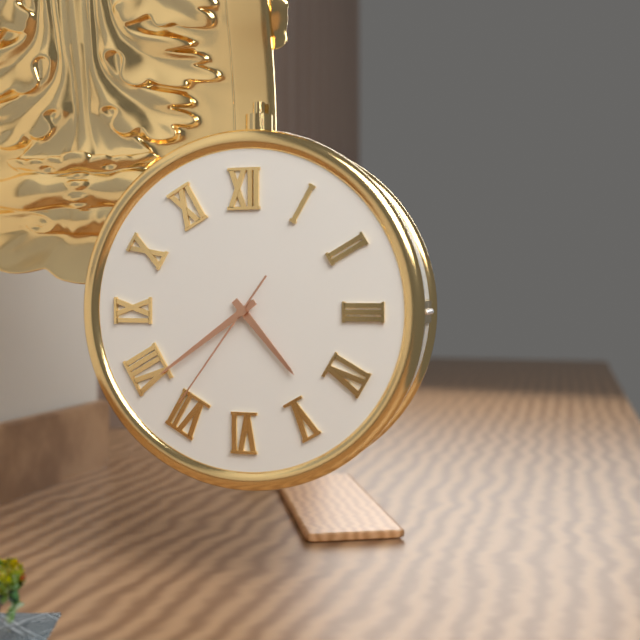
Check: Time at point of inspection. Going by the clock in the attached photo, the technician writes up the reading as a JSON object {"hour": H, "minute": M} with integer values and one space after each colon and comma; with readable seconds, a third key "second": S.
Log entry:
{"hour": 4, "minute": 39, "second": 36}
